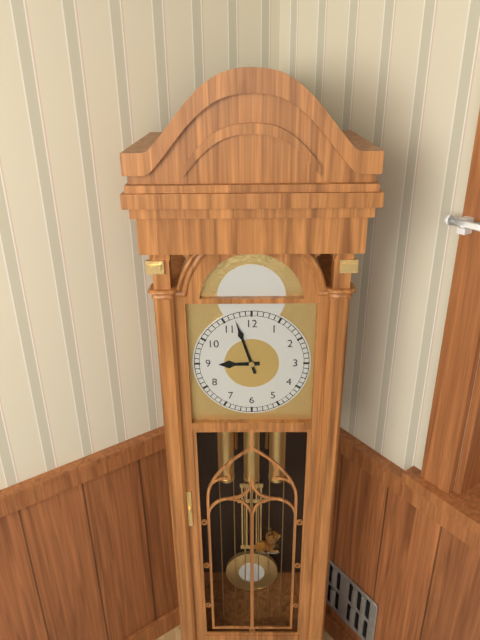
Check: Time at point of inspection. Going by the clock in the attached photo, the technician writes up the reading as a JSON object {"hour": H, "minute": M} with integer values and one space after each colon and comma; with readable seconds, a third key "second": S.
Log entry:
{"hour": 8, "minute": 57}
